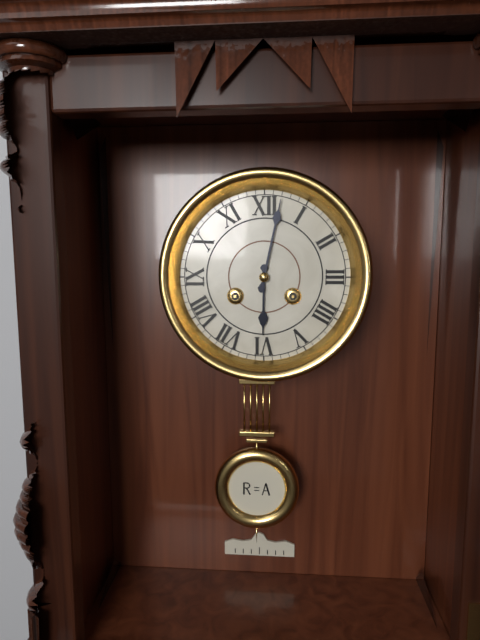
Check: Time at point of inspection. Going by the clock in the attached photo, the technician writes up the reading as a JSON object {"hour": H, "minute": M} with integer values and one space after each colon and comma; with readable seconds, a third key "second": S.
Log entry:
{"hour": 6, "minute": 2}
